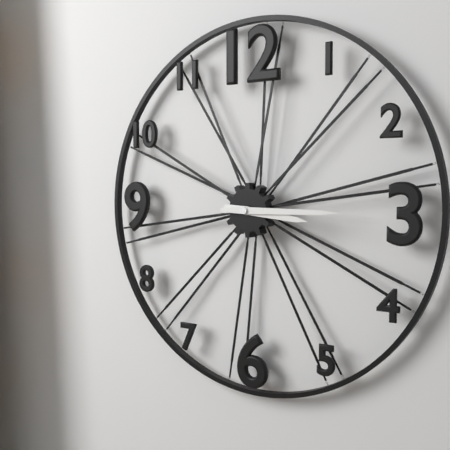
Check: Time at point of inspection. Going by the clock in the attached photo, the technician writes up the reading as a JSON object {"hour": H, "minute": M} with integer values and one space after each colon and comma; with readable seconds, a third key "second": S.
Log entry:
{"hour": 3, "minute": 15}
